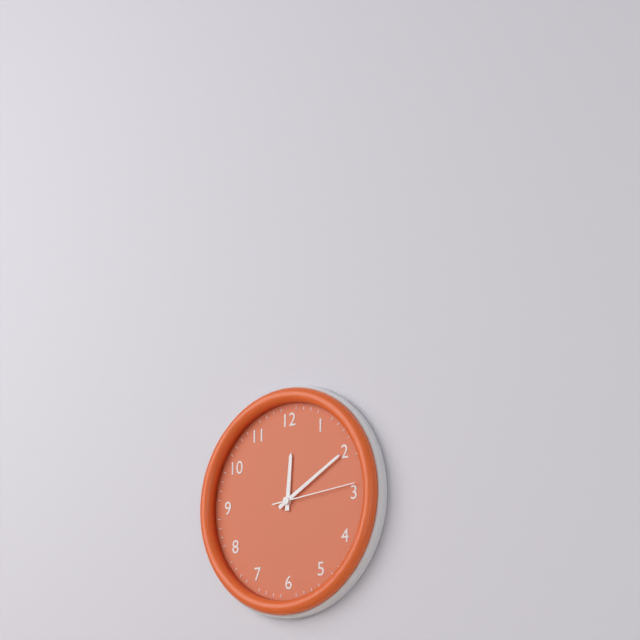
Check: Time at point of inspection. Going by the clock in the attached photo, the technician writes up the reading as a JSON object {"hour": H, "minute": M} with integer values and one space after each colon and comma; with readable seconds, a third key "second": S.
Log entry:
{"hour": 12, "minute": 10, "second": 14}
